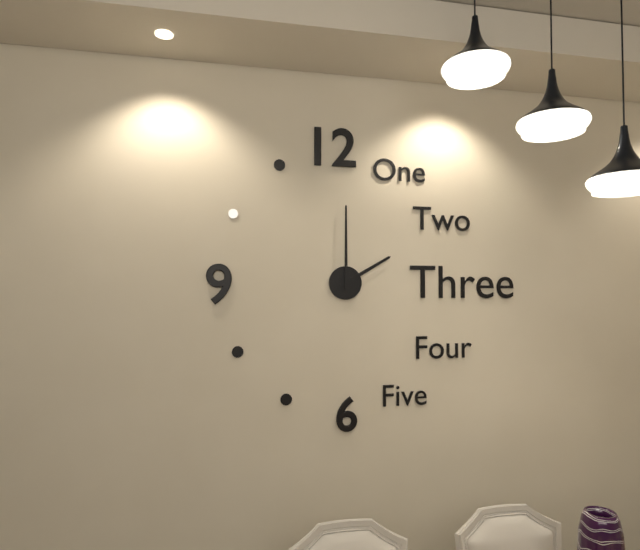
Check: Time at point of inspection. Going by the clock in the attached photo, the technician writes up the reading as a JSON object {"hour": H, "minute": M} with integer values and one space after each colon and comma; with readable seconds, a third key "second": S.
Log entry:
{"hour": 2, "minute": 0}
